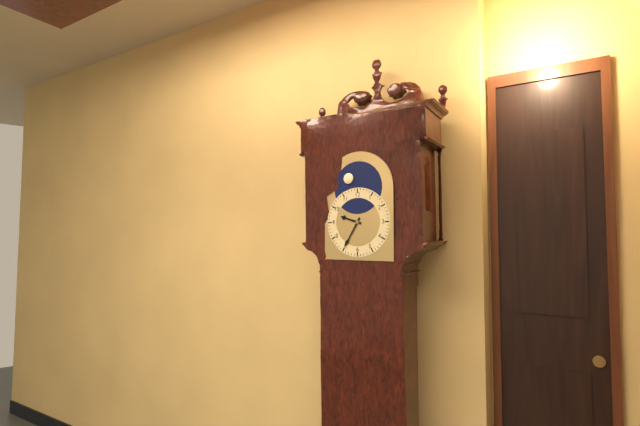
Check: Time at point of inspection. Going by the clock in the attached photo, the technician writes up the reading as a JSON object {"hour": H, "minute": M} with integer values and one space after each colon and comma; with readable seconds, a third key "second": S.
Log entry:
{"hour": 9, "minute": 35}
